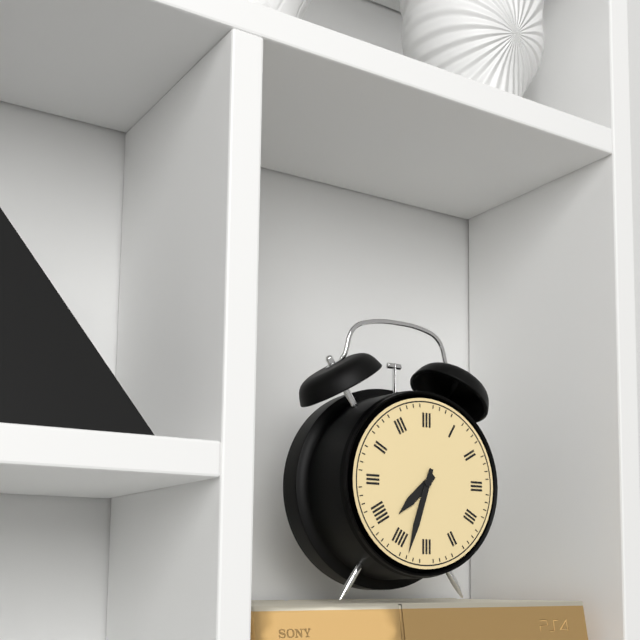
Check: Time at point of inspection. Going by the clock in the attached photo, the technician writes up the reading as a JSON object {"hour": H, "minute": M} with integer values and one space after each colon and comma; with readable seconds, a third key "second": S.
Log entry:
{"hour": 7, "minute": 33}
